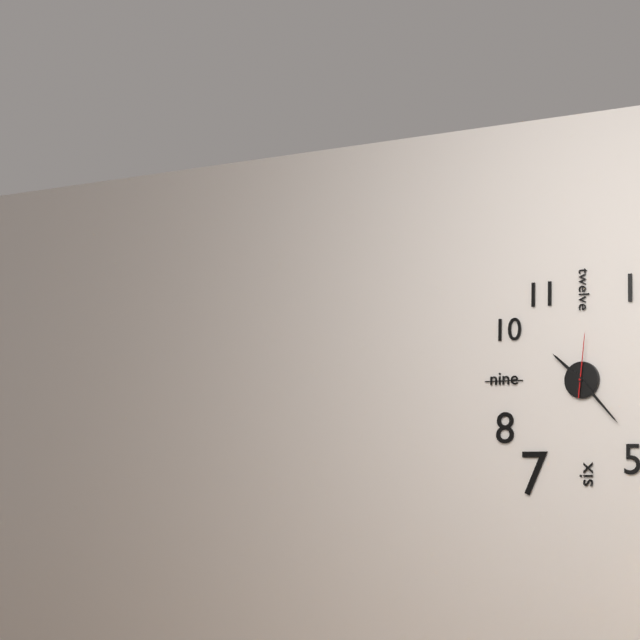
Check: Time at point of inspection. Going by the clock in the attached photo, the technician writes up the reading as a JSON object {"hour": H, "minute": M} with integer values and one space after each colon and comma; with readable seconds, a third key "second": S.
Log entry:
{"hour": 10, "minute": 23, "second": 1}
